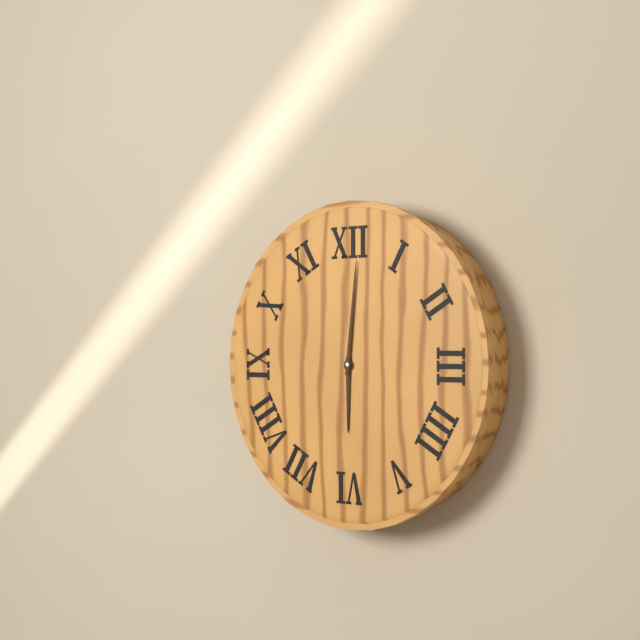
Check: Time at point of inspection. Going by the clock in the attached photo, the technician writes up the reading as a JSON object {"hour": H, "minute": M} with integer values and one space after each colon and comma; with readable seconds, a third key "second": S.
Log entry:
{"hour": 6, "minute": 1}
